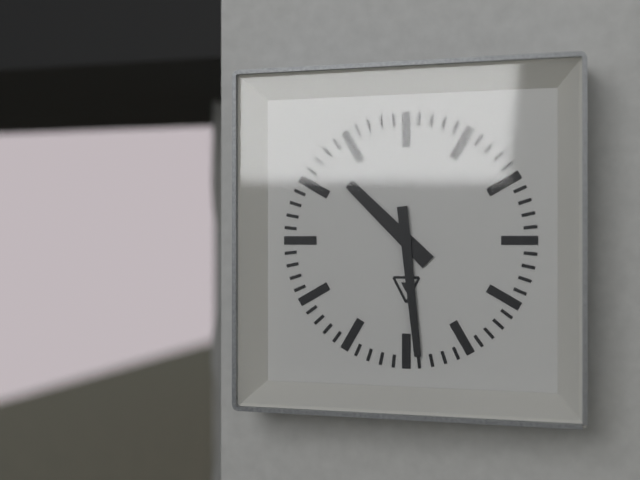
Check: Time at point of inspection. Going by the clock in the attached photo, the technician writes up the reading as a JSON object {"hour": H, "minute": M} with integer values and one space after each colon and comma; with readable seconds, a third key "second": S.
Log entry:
{"hour": 10, "minute": 29}
